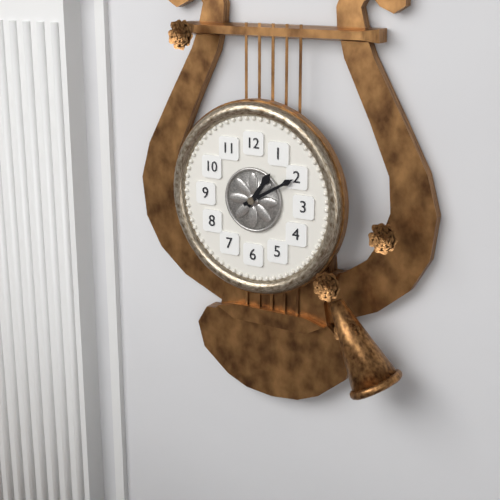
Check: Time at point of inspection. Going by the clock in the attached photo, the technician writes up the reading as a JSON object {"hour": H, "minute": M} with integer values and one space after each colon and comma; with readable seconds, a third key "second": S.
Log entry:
{"hour": 1, "minute": 10}
